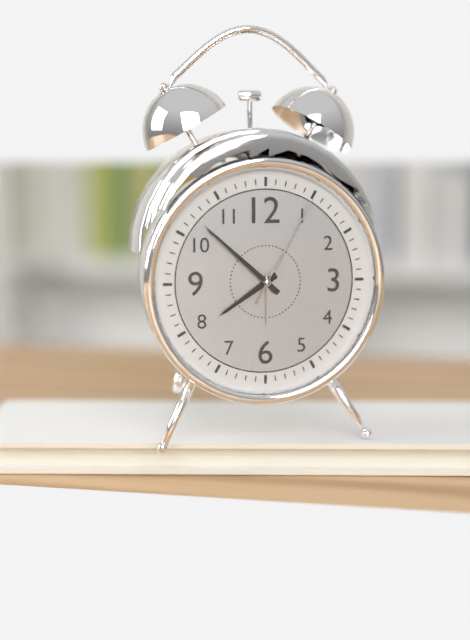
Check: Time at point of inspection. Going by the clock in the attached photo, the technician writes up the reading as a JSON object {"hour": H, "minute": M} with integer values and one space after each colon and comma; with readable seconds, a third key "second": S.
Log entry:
{"hour": 7, "minute": 52, "second": 5}
